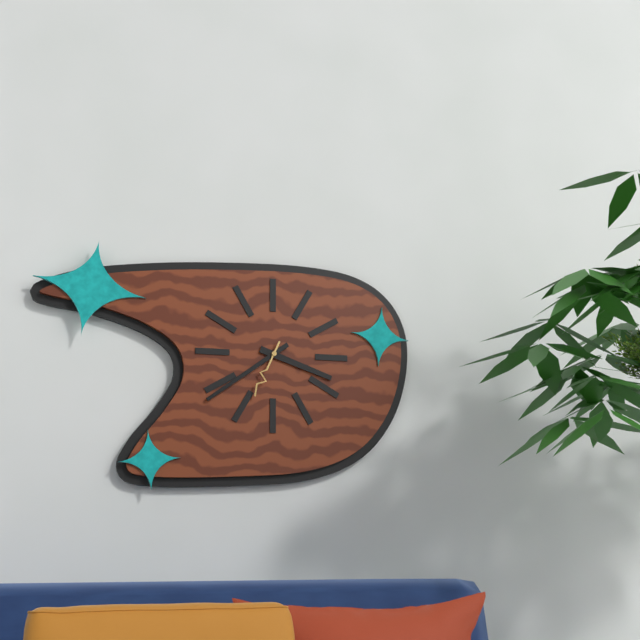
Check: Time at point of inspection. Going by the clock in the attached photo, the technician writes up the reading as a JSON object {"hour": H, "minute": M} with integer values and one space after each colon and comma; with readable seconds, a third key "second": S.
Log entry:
{"hour": 3, "minute": 39, "second": 34}
